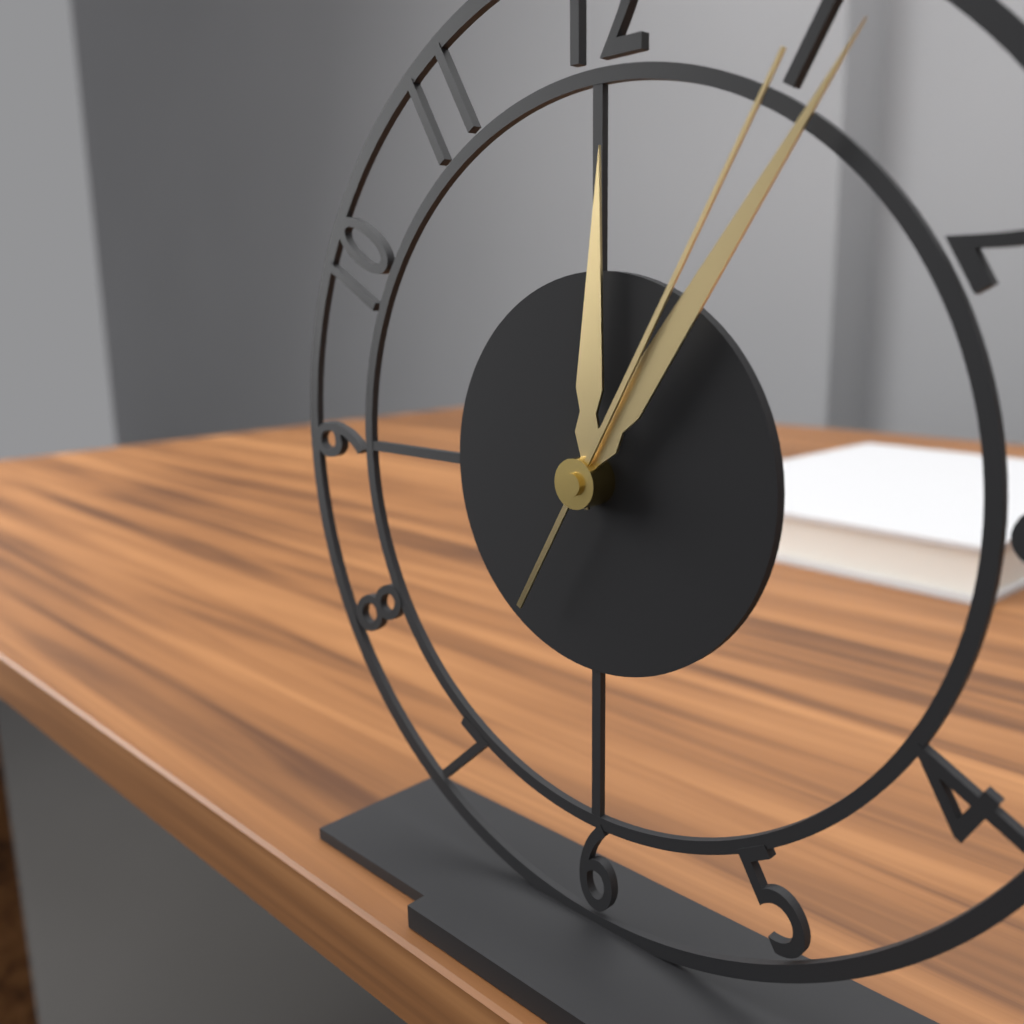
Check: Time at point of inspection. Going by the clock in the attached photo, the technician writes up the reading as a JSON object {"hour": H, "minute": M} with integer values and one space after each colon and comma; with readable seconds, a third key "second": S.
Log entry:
{"hour": 12, "minute": 6, "second": 5}
